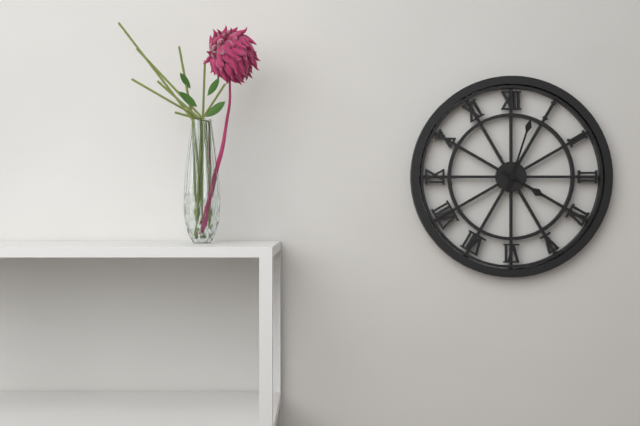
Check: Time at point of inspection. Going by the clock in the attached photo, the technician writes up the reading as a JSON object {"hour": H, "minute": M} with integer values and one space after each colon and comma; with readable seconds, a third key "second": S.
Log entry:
{"hour": 4, "minute": 3}
